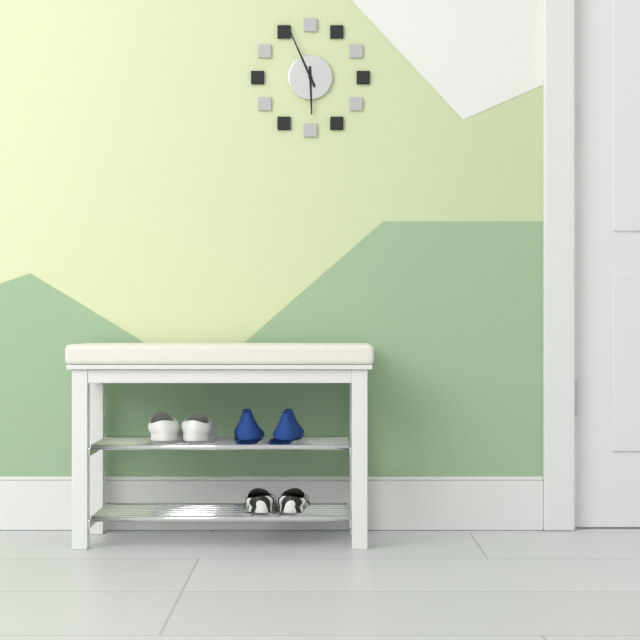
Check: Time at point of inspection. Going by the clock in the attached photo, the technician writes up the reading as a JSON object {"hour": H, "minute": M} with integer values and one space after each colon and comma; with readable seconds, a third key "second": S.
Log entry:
{"hour": 5, "minute": 56}
